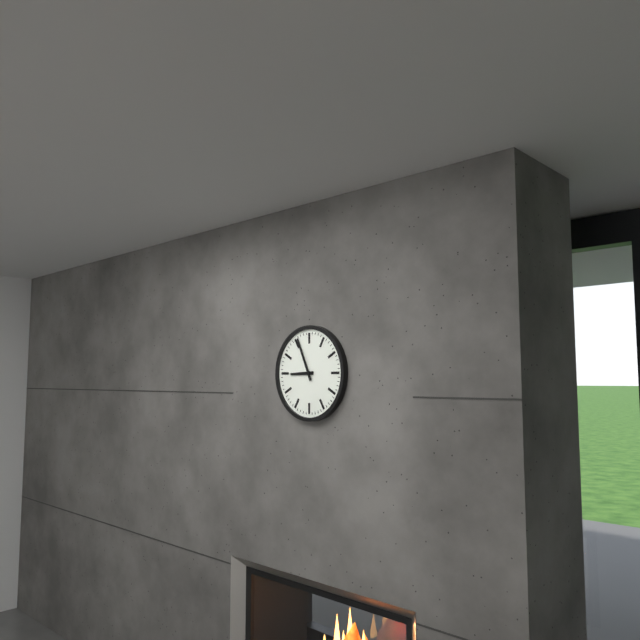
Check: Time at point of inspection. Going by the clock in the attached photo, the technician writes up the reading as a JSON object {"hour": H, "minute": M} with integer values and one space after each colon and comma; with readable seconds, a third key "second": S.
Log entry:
{"hour": 8, "minute": 56}
